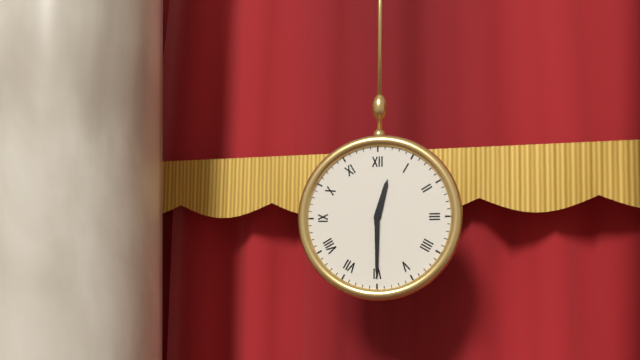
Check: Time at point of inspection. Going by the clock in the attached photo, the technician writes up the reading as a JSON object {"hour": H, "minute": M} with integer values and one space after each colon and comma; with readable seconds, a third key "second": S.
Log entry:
{"hour": 12, "minute": 30}
